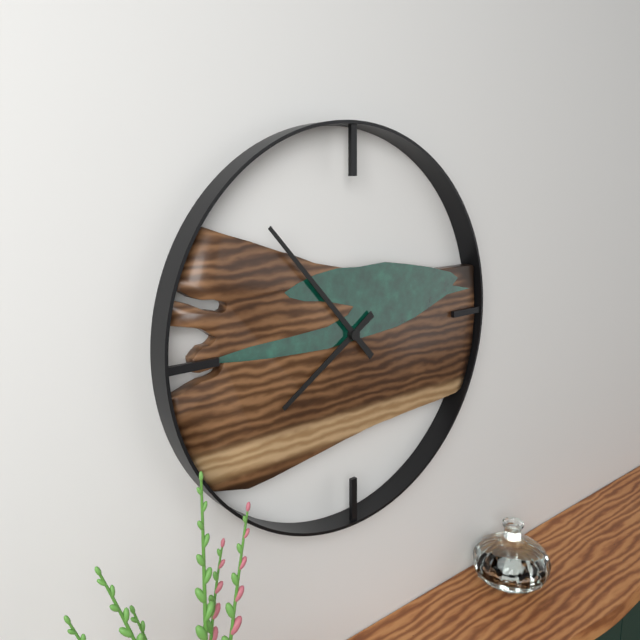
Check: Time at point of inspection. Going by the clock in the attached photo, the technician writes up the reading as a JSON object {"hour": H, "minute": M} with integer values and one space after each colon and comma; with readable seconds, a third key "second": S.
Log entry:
{"hour": 7, "minute": 53}
